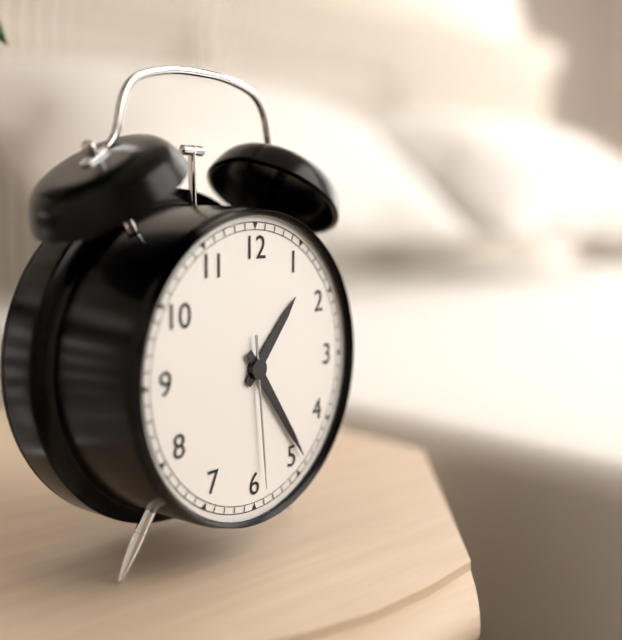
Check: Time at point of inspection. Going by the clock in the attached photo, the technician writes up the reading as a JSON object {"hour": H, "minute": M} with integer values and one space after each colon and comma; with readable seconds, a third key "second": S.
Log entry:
{"hour": 1, "minute": 24, "second": 29}
